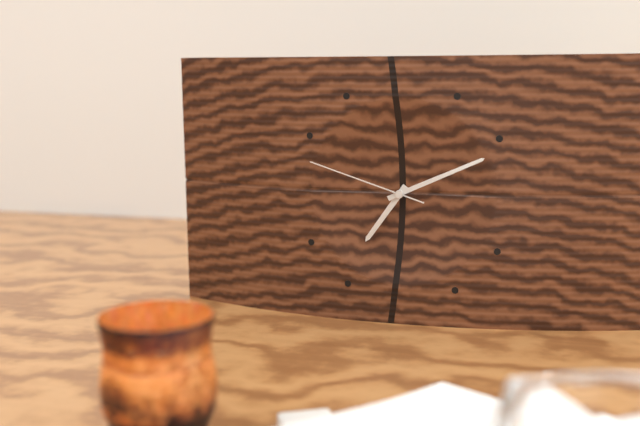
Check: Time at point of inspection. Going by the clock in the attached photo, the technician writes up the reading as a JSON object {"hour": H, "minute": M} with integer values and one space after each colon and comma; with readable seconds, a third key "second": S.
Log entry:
{"hour": 7, "minute": 11, "second": 48}
